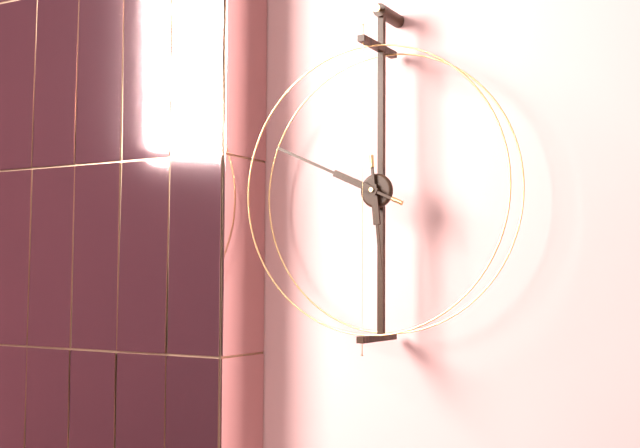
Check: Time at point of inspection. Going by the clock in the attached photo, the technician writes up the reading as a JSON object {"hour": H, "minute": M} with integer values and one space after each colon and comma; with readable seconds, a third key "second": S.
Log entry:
{"hour": 5, "minute": 49}
